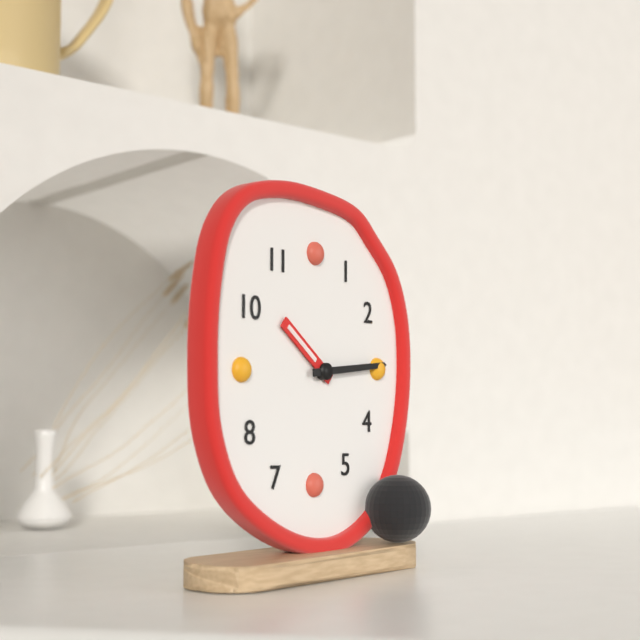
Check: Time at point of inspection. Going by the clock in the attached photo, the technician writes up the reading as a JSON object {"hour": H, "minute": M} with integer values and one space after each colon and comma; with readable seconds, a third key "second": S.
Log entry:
{"hour": 10, "minute": 14}
